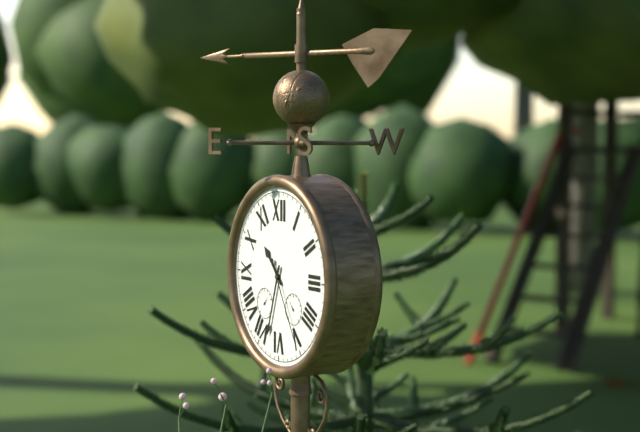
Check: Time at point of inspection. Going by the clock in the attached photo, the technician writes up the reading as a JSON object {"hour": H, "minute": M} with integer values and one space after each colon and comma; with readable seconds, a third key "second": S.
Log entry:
{"hour": 10, "minute": 33, "second": 25}
